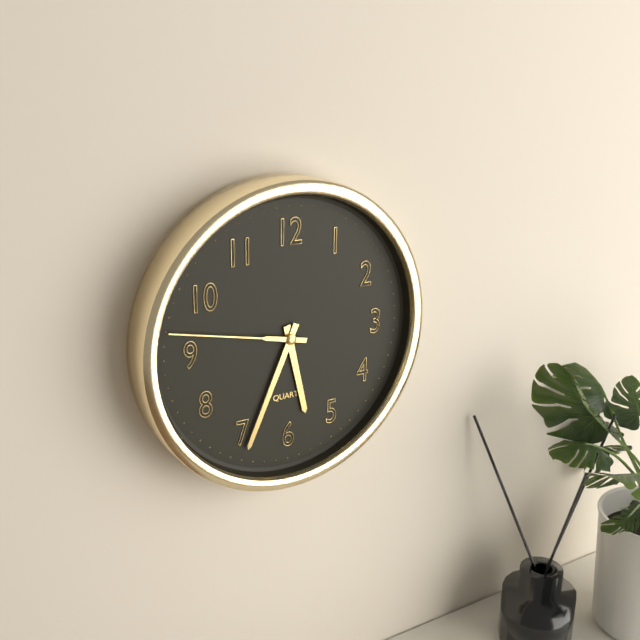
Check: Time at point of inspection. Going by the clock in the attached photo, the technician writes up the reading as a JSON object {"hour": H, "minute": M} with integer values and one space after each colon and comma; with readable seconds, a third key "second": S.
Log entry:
{"hour": 5, "minute": 34, "second": 47}
